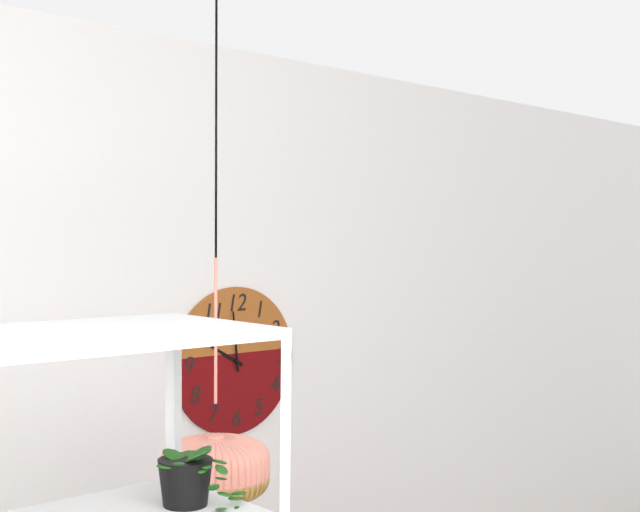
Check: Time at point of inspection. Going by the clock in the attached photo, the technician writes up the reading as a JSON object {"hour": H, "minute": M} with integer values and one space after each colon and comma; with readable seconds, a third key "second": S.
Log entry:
{"hour": 9, "minute": 59}
